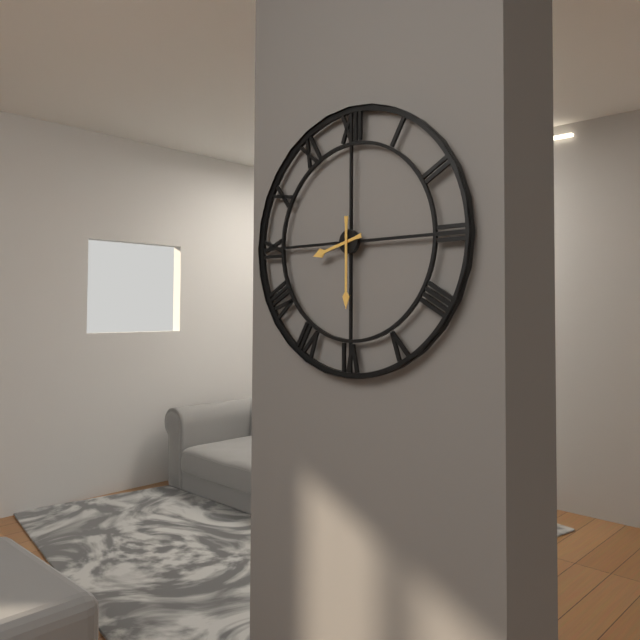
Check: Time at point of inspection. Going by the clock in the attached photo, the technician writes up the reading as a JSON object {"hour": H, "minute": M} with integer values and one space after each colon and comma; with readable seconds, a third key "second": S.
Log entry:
{"hour": 8, "minute": 30}
